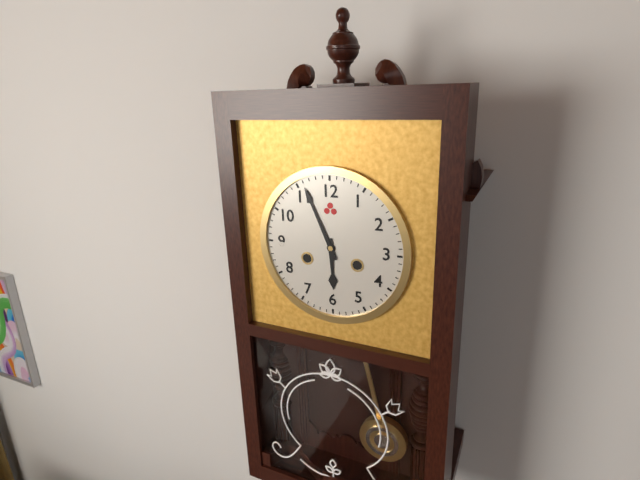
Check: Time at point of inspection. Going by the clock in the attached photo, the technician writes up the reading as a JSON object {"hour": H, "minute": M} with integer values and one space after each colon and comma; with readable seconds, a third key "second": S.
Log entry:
{"hour": 5, "minute": 56}
